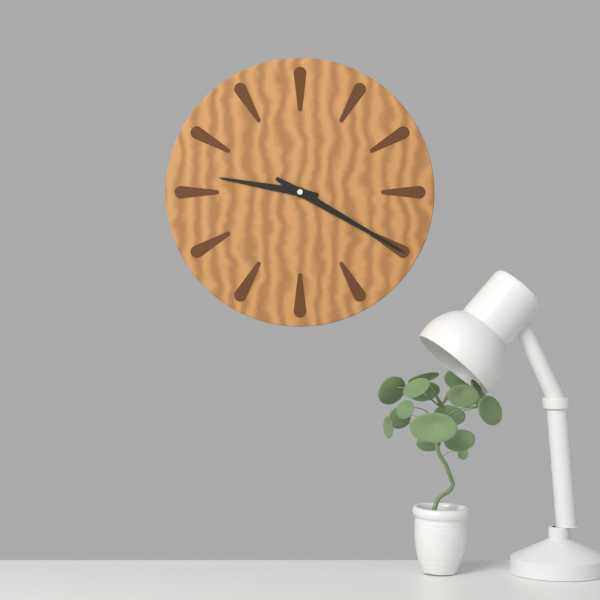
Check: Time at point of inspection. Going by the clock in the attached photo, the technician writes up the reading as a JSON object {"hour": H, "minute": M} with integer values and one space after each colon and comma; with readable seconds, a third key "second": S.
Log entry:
{"hour": 9, "minute": 20}
